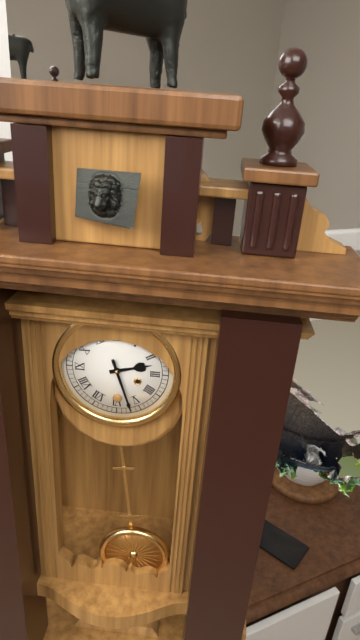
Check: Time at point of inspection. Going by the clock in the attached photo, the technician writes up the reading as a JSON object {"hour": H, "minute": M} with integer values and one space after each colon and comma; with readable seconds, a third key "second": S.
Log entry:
{"hour": 2, "minute": 27}
